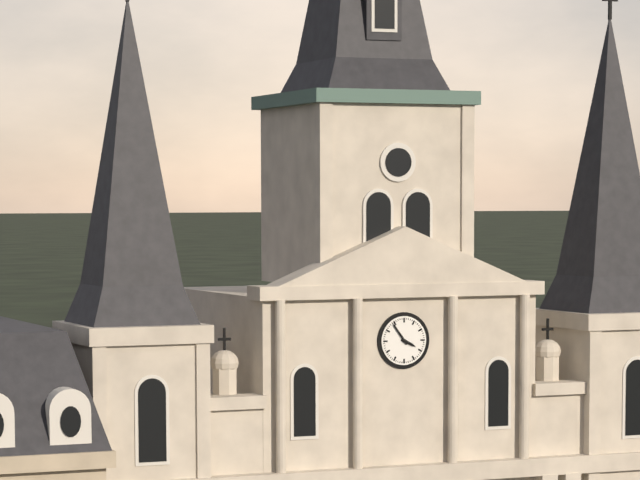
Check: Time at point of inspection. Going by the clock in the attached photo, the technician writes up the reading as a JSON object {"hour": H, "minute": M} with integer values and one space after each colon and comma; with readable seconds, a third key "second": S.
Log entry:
{"hour": 3, "minute": 54}
